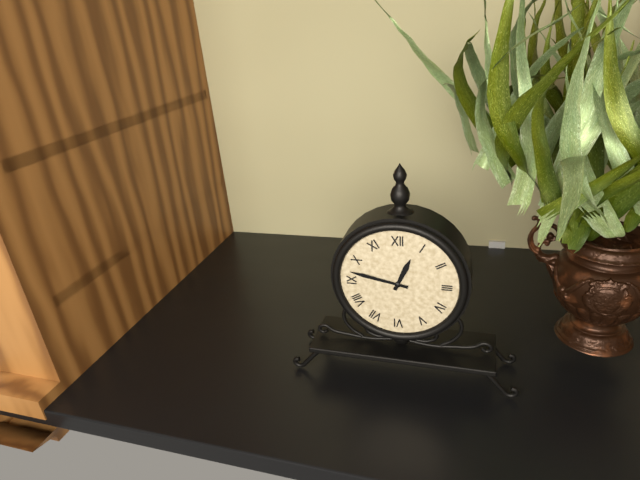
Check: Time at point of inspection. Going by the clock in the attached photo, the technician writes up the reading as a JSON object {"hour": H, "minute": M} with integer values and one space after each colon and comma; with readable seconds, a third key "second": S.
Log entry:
{"hour": 12, "minute": 47}
